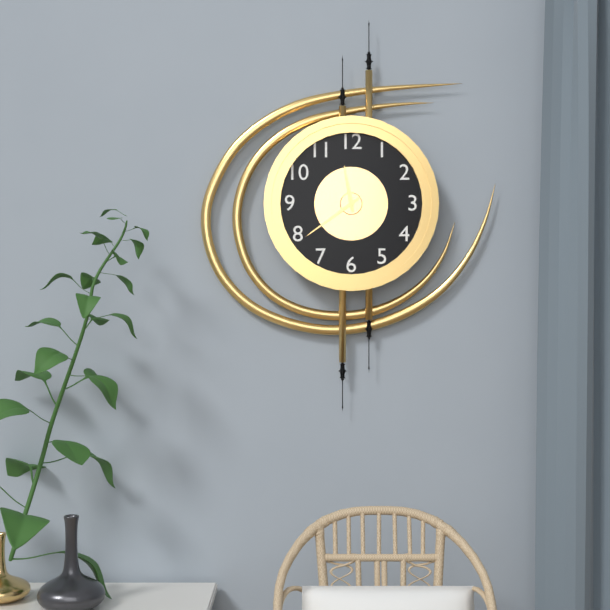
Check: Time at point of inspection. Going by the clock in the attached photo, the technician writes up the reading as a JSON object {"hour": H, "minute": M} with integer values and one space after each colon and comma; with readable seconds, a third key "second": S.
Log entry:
{"hour": 11, "minute": 39}
